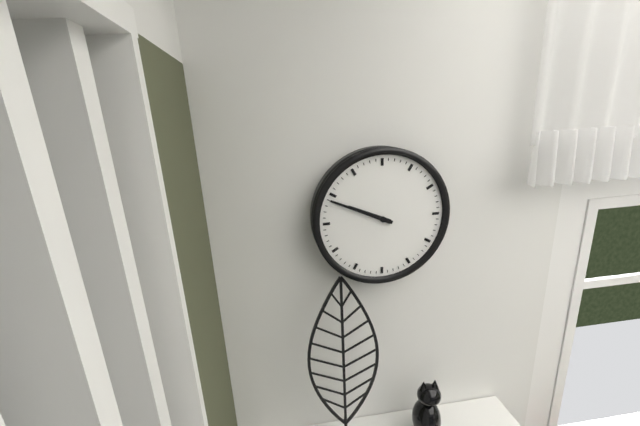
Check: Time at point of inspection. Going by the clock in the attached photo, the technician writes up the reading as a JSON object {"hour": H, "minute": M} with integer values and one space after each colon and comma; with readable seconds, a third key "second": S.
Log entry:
{"hour": 9, "minute": 49}
